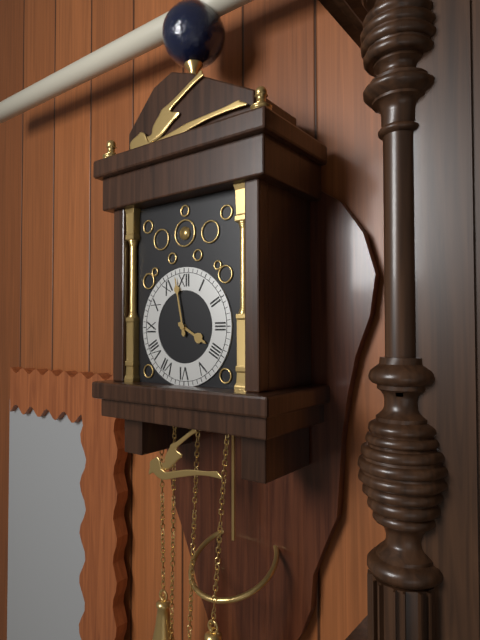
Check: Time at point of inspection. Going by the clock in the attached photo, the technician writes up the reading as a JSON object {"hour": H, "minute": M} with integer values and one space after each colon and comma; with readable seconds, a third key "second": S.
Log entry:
{"hour": 3, "minute": 58}
